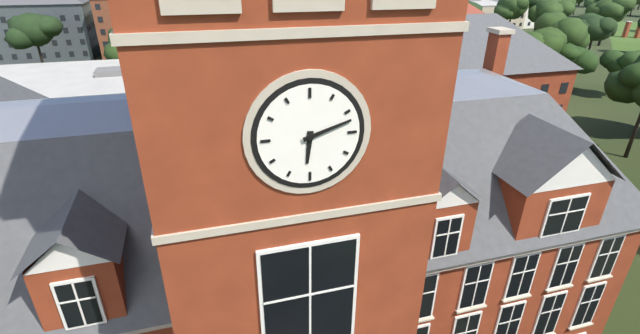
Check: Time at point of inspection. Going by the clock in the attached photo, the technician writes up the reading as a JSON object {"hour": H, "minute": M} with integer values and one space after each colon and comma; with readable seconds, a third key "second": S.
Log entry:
{"hour": 6, "minute": 12}
